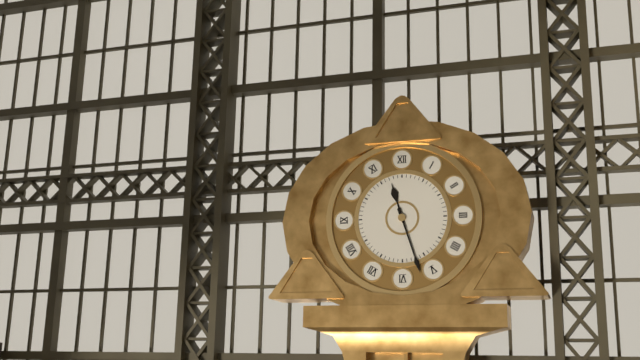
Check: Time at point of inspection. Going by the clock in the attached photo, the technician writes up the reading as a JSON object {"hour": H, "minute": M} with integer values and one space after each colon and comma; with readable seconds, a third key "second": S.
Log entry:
{"hour": 11, "minute": 27}
